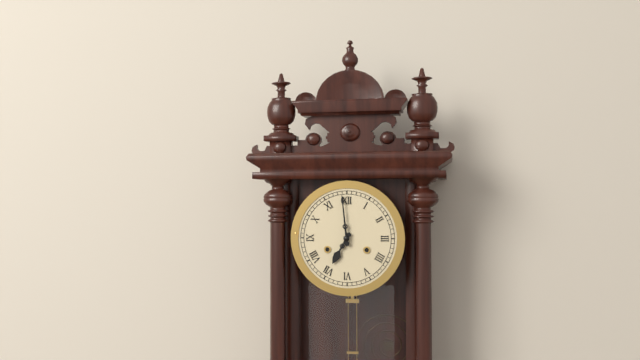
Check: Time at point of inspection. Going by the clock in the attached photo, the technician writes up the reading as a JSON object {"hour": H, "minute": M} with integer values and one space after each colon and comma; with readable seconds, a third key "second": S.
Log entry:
{"hour": 6, "minute": 59}
